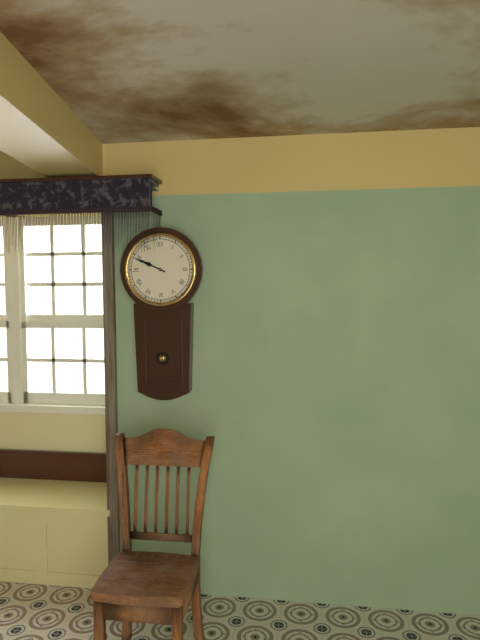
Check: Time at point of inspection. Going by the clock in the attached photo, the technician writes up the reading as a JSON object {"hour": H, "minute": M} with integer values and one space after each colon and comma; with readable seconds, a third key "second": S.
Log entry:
{"hour": 9, "minute": 49}
